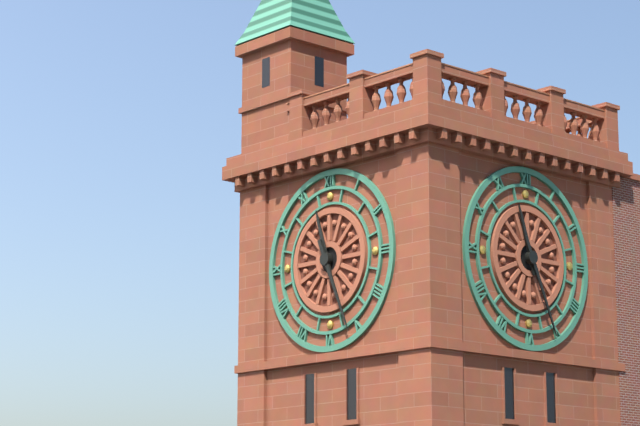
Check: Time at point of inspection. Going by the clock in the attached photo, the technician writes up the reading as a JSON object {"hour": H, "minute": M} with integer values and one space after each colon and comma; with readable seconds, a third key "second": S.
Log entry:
{"hour": 11, "minute": 26}
